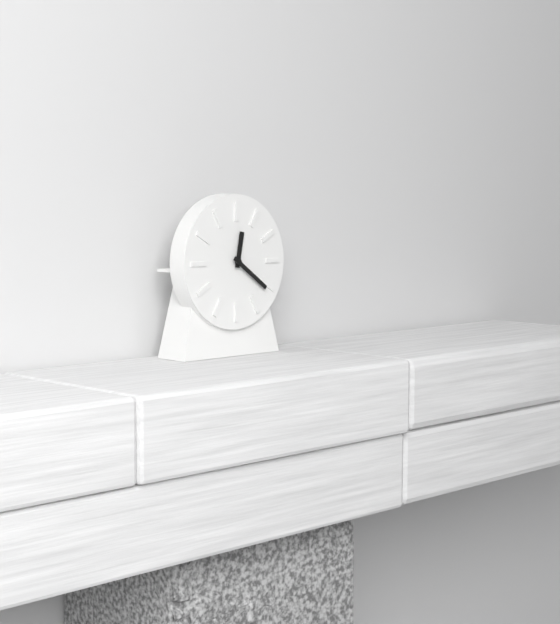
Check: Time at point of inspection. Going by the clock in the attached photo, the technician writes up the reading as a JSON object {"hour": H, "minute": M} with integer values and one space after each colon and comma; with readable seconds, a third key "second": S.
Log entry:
{"hour": 12, "minute": 21}
